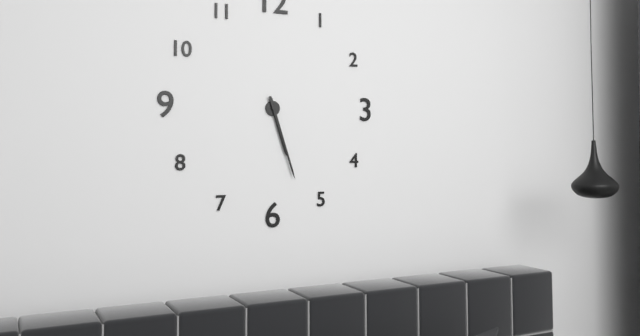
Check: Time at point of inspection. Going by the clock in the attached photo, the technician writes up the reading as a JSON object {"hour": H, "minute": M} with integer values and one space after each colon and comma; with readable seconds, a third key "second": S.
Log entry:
{"hour": 5, "minute": 27}
